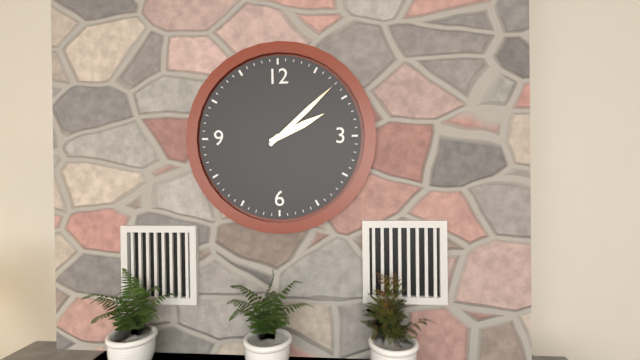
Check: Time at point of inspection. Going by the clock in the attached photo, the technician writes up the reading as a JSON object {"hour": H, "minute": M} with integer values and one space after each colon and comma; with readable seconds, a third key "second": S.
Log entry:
{"hour": 2, "minute": 8}
